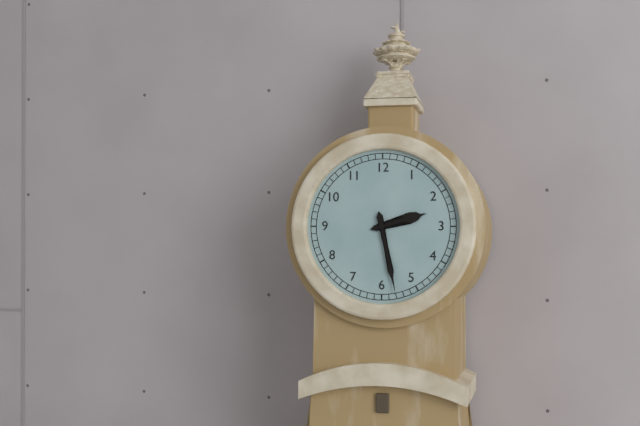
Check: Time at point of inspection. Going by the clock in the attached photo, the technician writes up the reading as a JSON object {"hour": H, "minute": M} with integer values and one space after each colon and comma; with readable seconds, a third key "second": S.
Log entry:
{"hour": 2, "minute": 28}
